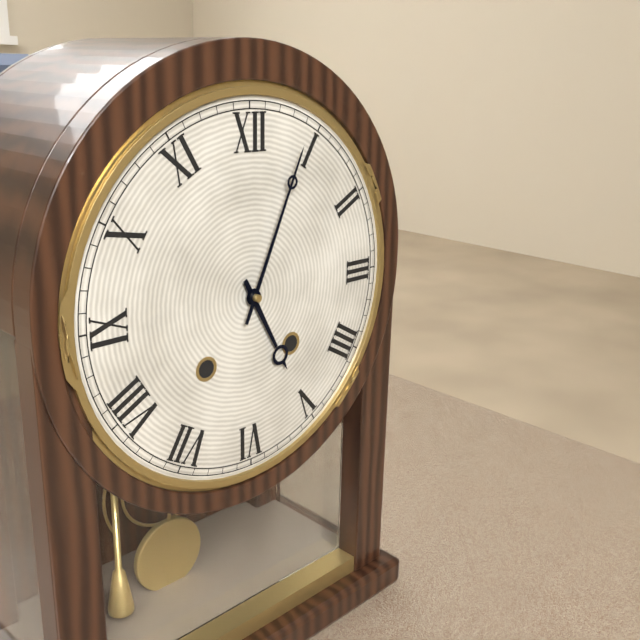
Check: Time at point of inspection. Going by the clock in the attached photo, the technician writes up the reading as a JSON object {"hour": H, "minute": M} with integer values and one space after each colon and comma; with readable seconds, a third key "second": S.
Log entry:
{"hour": 5, "minute": 4}
